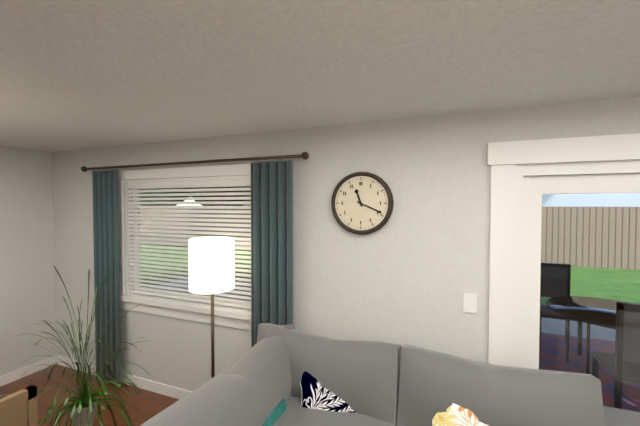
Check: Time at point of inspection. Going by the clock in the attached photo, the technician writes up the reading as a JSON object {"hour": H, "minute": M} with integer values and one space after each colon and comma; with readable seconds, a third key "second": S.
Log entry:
{"hour": 11, "minute": 19}
